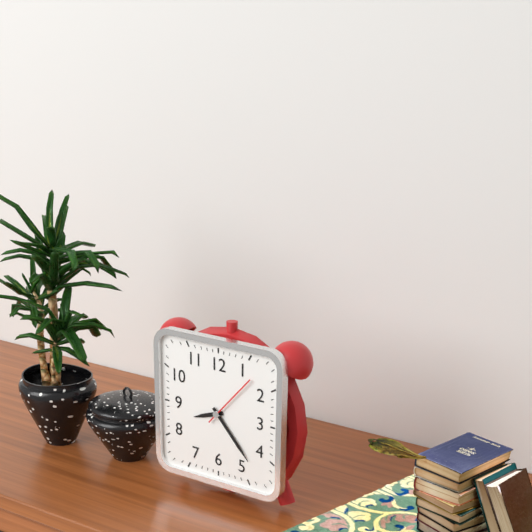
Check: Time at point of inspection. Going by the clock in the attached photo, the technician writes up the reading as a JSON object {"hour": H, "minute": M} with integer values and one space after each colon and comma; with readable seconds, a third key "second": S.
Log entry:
{"hour": 8, "minute": 23, "second": 7}
